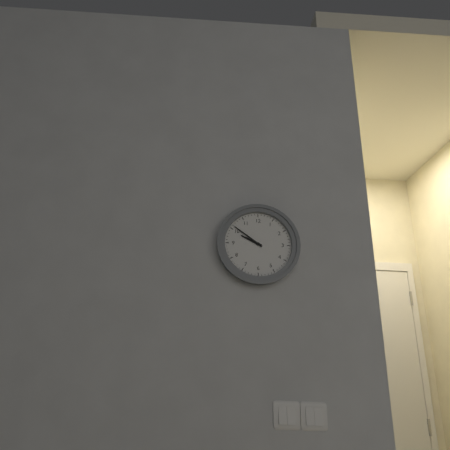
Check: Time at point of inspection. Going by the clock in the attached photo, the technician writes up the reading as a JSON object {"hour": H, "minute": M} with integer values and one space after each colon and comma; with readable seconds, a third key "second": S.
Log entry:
{"hour": 9, "minute": 51}
